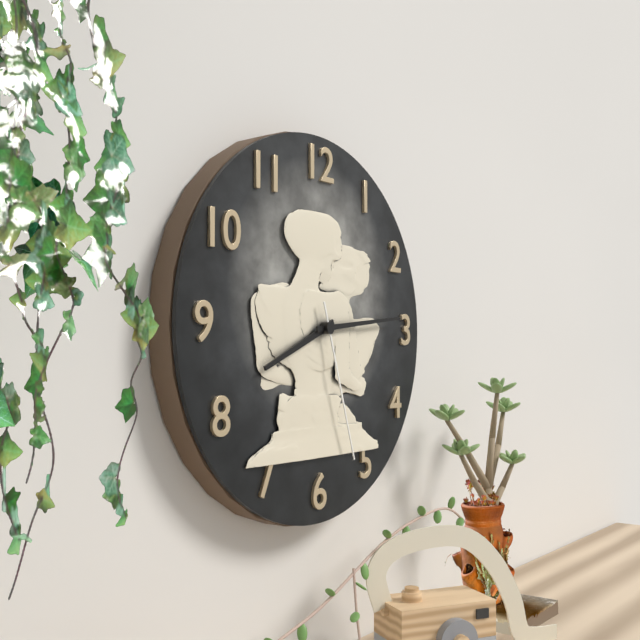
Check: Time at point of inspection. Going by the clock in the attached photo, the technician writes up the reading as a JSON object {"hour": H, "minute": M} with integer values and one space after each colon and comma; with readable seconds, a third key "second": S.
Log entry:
{"hour": 8, "minute": 14, "second": 27}
